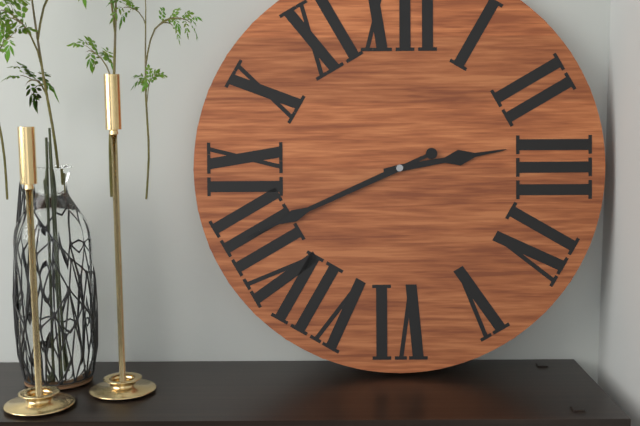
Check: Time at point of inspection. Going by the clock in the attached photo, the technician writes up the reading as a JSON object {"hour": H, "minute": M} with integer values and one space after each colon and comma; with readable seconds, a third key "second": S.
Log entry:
{"hour": 2, "minute": 41}
